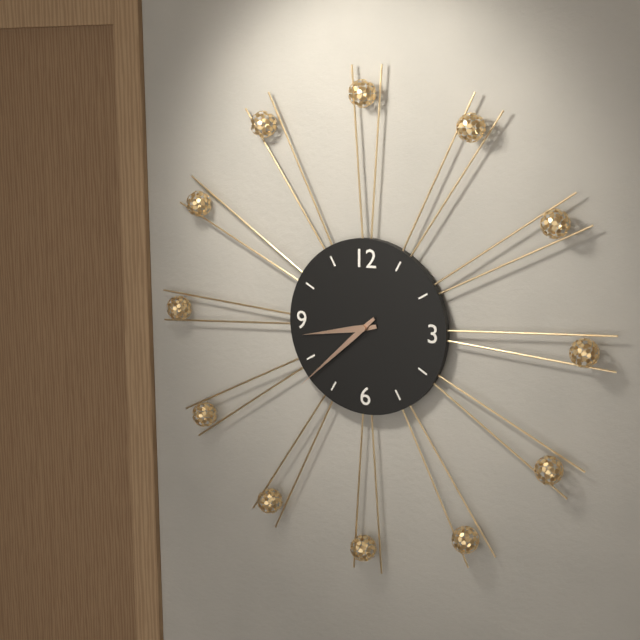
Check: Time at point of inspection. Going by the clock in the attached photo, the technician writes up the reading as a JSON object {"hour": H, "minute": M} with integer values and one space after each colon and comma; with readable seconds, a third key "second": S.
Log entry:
{"hour": 8, "minute": 38}
